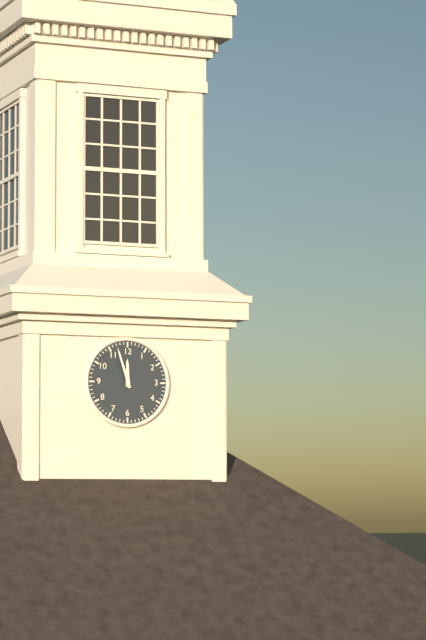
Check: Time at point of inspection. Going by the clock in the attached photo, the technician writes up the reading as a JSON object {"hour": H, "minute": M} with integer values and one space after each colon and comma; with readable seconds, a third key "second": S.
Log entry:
{"hour": 11, "minute": 57}
